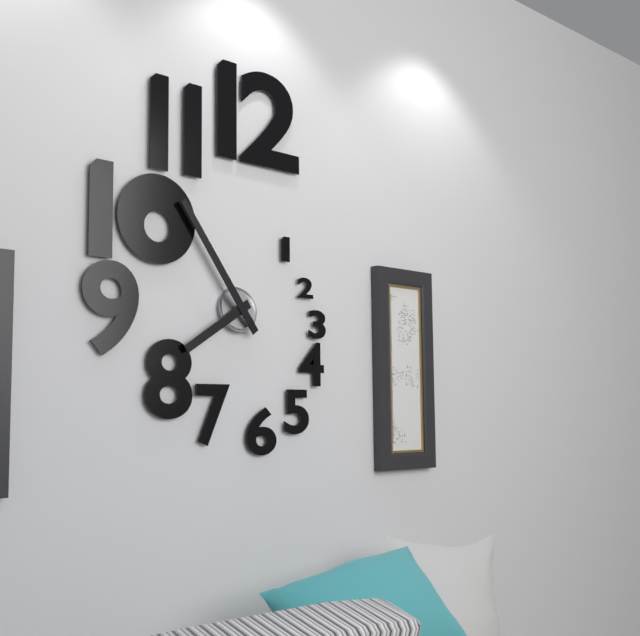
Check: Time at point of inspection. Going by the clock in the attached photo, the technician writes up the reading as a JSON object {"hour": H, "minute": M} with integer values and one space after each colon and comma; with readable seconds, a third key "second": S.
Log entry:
{"hour": 7, "minute": 54}
